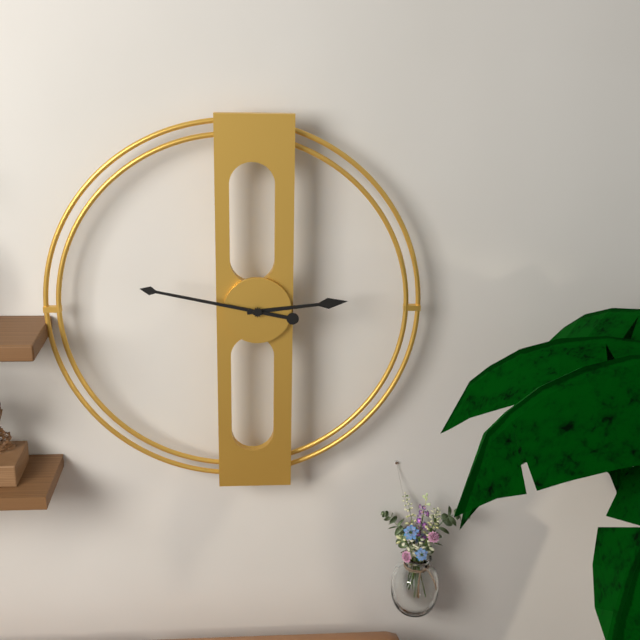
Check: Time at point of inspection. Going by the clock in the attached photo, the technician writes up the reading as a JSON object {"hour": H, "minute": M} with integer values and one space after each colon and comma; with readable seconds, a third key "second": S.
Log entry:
{"hour": 2, "minute": 47}
